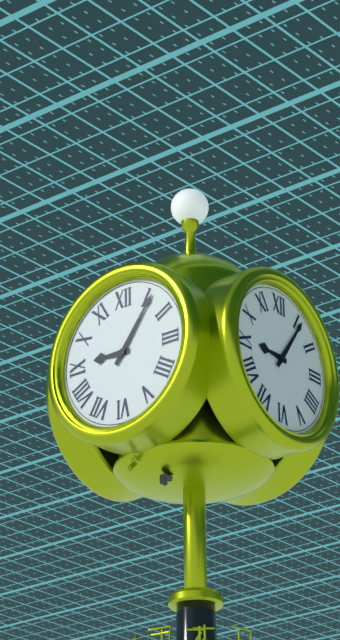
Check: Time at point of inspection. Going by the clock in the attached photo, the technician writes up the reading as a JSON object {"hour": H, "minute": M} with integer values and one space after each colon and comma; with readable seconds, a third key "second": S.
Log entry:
{"hour": 9, "minute": 6}
